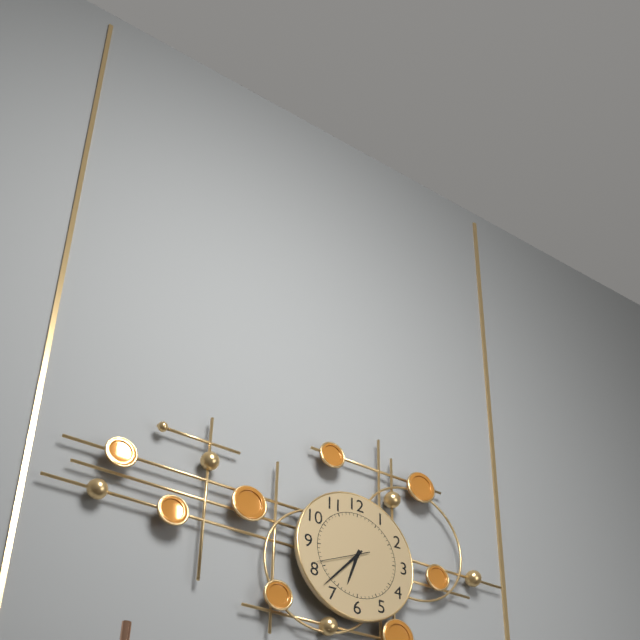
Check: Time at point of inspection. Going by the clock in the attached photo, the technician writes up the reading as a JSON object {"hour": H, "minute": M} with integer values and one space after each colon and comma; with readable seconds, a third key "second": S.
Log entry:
{"hour": 6, "minute": 37, "second": 41}
